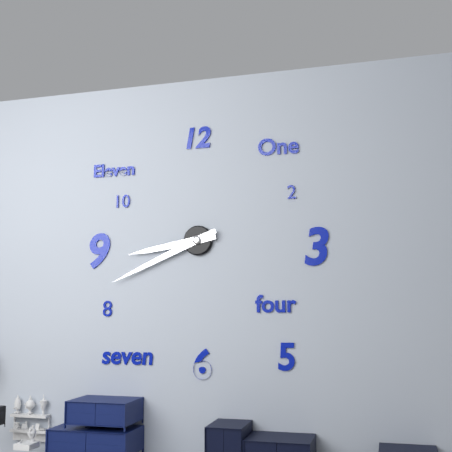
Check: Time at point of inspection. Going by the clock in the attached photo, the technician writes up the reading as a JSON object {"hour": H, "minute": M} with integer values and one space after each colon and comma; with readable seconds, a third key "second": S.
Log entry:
{"hour": 8, "minute": 41}
